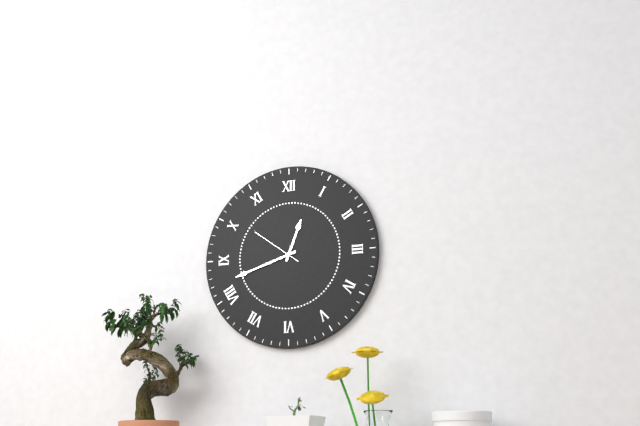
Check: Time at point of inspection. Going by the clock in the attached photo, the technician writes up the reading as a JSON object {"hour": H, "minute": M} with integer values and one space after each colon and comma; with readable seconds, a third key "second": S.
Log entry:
{"hour": 12, "minute": 42, "second": 51}
